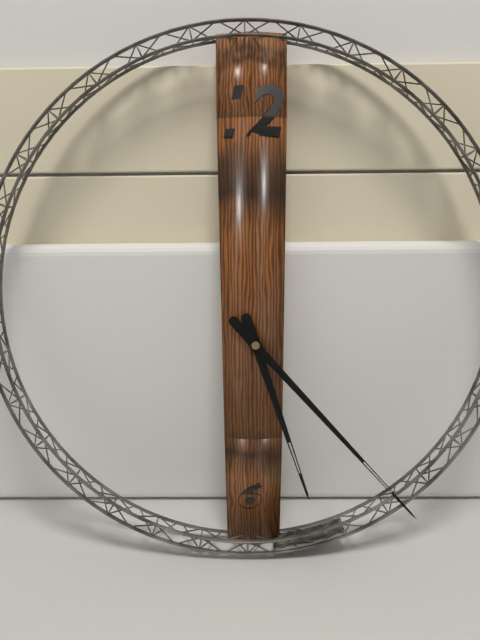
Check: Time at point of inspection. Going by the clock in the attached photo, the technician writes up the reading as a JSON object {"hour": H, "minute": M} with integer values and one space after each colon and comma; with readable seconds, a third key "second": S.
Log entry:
{"hour": 5, "minute": 23}
